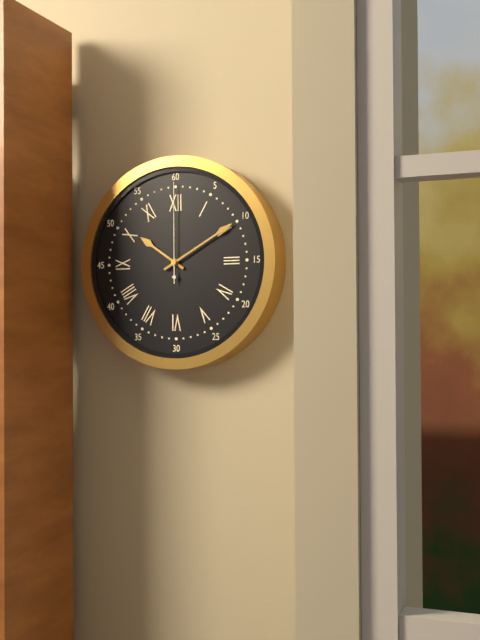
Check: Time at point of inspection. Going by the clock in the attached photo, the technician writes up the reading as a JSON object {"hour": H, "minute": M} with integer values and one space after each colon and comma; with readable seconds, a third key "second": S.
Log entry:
{"hour": 10, "minute": 10, "second": 0}
